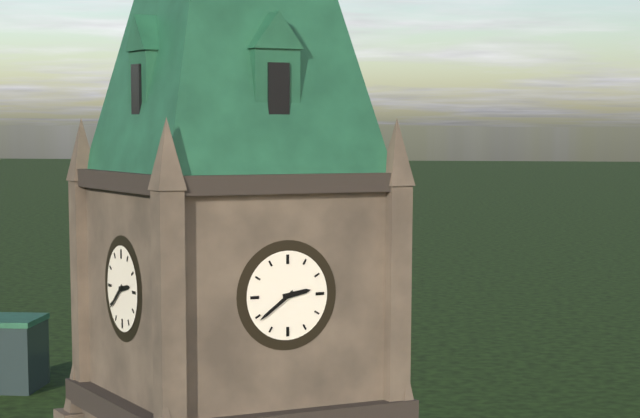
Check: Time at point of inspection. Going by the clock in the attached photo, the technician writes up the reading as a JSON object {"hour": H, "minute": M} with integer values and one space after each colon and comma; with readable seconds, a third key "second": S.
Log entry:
{"hour": 2, "minute": 39}
